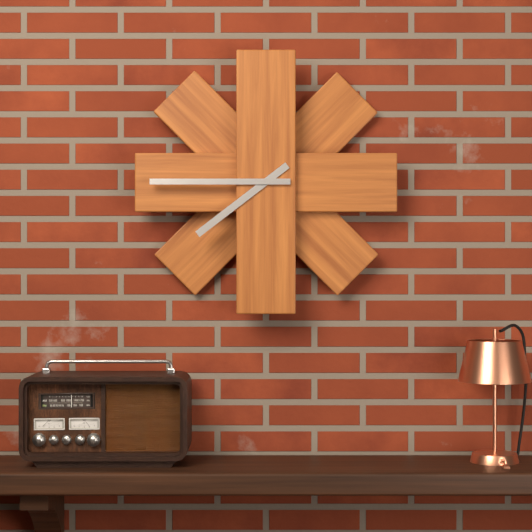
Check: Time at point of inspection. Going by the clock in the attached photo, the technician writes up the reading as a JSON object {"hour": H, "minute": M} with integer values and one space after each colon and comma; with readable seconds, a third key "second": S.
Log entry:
{"hour": 7, "minute": 45}
